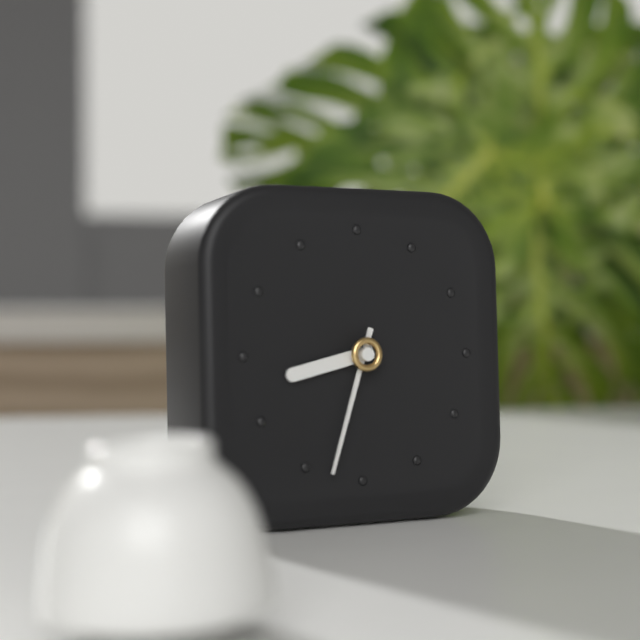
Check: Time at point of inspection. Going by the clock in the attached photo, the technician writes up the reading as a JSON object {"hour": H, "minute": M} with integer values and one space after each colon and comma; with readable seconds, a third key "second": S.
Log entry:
{"hour": 8, "minute": 33}
